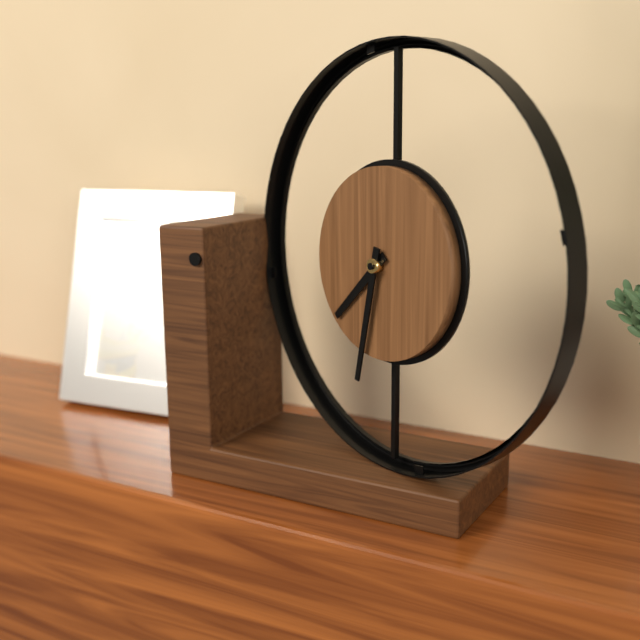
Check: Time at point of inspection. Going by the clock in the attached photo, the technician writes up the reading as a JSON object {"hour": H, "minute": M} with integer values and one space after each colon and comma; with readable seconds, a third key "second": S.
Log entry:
{"hour": 7, "minute": 32}
